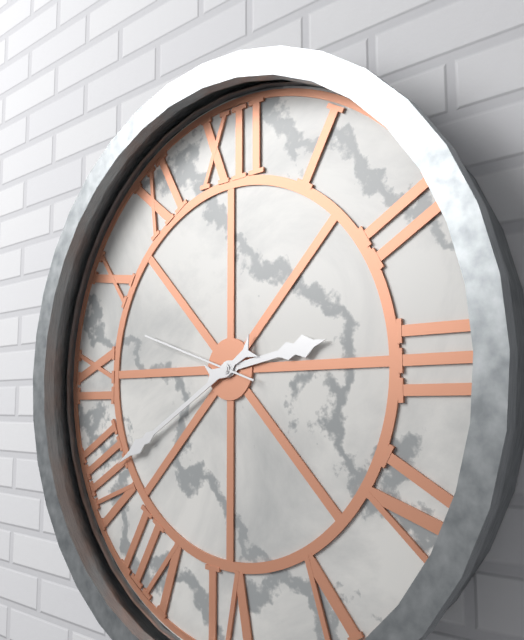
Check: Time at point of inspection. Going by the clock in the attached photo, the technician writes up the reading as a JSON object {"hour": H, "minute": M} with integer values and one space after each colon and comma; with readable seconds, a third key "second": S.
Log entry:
{"hour": 2, "minute": 40, "second": 48}
